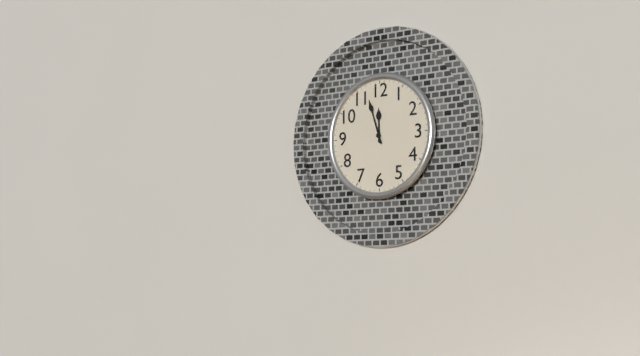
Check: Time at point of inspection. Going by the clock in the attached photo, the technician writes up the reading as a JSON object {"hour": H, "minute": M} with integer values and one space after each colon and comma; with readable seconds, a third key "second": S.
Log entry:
{"hour": 11, "minute": 57}
